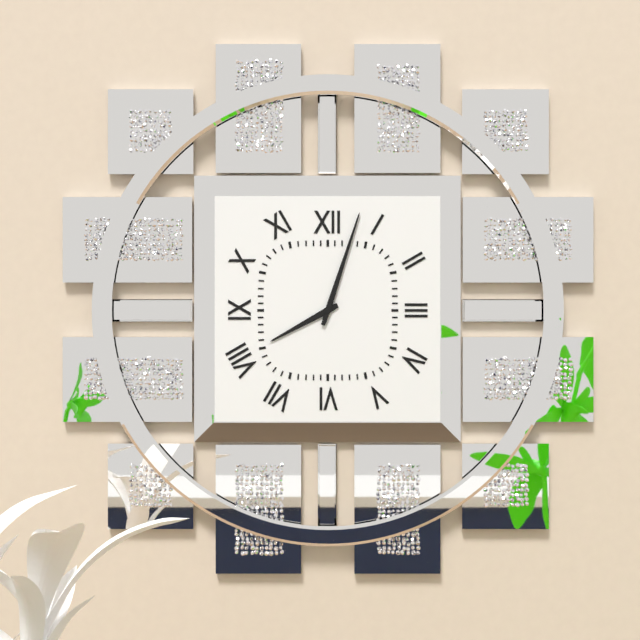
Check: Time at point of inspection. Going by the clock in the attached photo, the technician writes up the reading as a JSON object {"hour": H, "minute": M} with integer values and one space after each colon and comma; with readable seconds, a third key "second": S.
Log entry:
{"hour": 8, "minute": 3}
